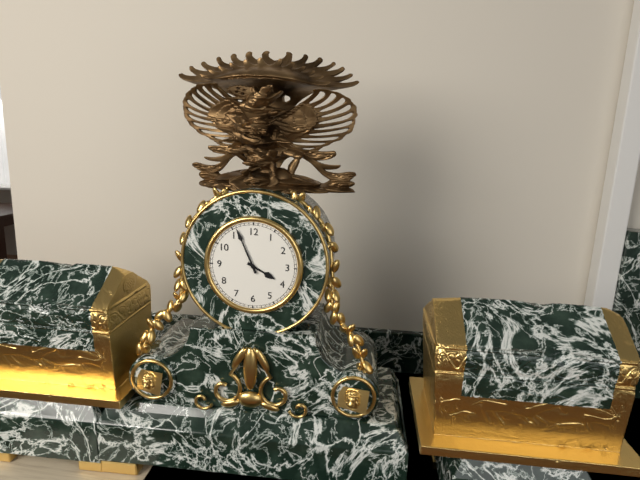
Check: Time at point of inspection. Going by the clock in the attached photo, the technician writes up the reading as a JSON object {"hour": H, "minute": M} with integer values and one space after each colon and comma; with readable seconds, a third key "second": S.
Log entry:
{"hour": 3, "minute": 56}
